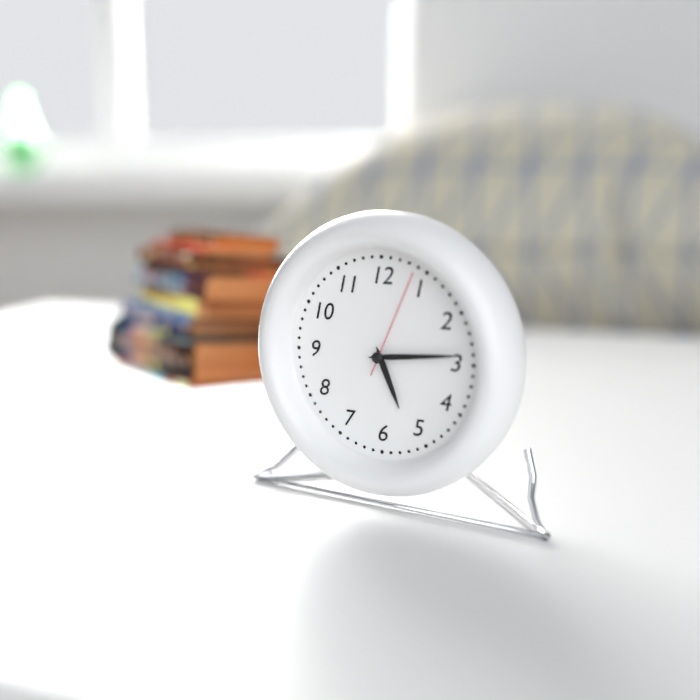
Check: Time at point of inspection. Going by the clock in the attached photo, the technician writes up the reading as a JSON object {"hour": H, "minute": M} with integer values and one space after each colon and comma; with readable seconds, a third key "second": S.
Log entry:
{"hour": 5, "minute": 14, "second": 4}
